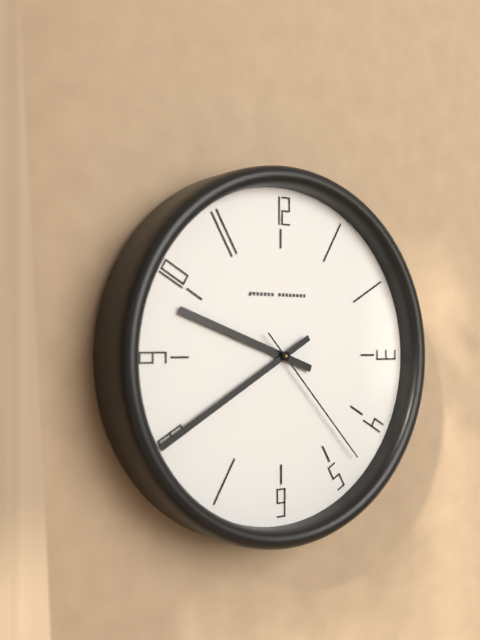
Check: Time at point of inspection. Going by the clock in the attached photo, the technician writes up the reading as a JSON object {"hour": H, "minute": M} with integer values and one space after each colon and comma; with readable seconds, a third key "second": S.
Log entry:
{"hour": 9, "minute": 40, "second": 23}
